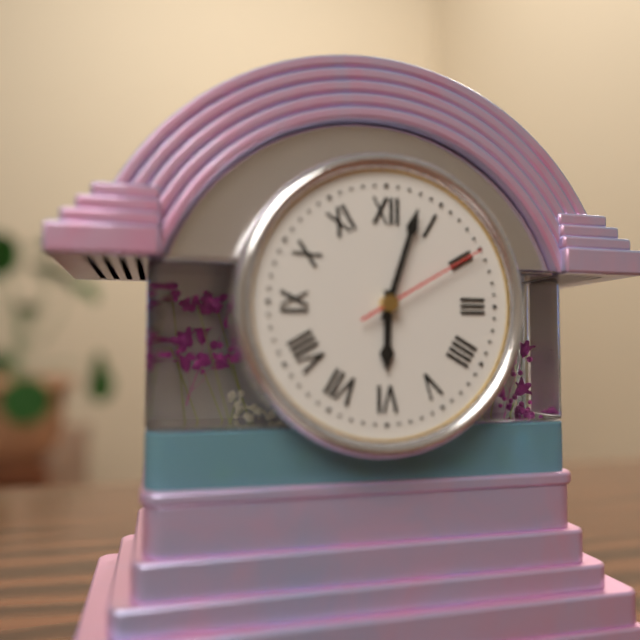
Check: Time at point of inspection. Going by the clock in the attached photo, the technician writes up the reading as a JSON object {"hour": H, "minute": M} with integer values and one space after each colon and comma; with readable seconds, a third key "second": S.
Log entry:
{"hour": 6, "minute": 3, "second": 10}
